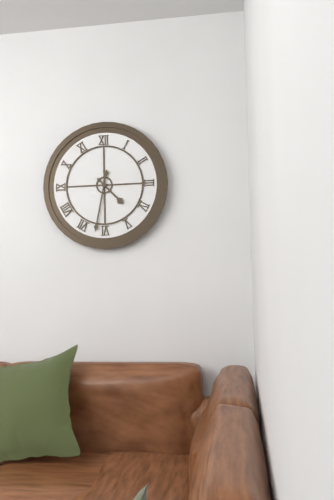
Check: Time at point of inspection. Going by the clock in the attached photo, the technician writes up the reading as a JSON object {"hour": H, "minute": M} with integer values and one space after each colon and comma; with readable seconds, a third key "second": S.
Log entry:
{"hour": 4, "minute": 32}
